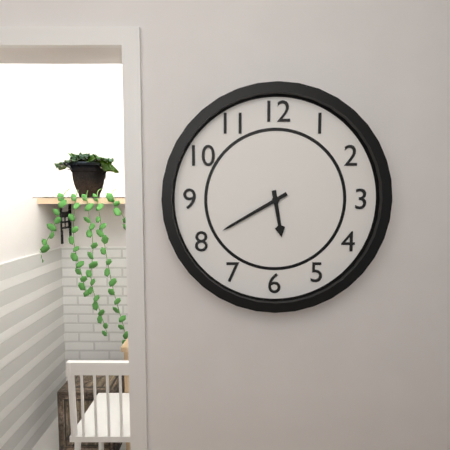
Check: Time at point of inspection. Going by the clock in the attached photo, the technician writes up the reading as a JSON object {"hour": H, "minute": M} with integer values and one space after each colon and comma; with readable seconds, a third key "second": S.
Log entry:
{"hour": 5, "minute": 40}
